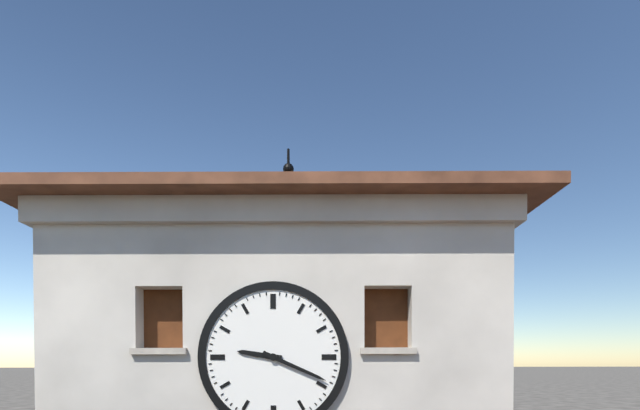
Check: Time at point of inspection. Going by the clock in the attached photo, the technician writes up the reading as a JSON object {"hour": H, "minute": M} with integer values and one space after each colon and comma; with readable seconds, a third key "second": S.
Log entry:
{"hour": 9, "minute": 19}
